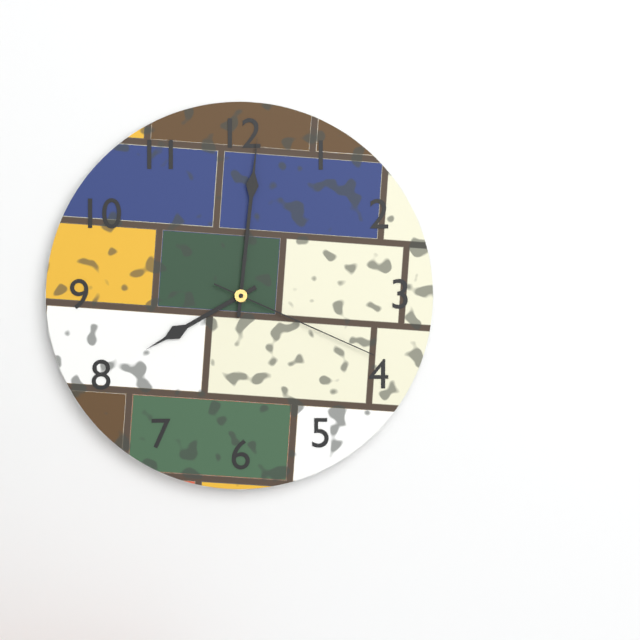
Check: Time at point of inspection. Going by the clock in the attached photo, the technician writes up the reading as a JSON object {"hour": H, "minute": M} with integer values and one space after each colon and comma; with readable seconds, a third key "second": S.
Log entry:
{"hour": 8, "minute": 1, "second": 19}
